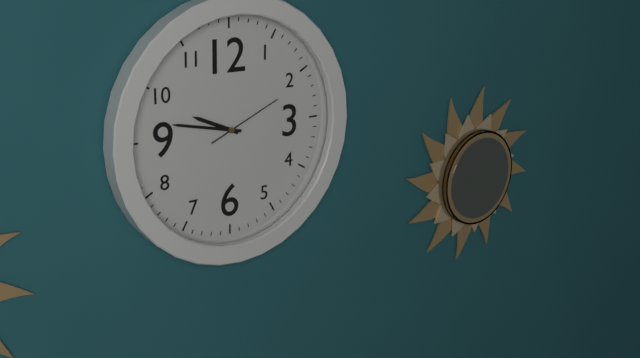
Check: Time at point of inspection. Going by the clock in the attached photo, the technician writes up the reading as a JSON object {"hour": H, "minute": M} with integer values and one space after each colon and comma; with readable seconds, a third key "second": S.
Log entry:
{"hour": 9, "minute": 47, "second": 11}
